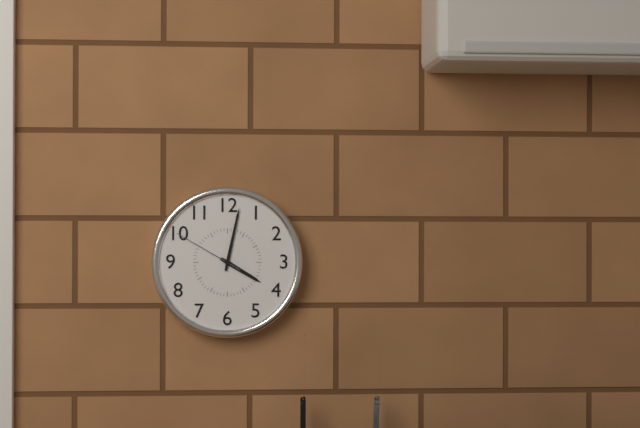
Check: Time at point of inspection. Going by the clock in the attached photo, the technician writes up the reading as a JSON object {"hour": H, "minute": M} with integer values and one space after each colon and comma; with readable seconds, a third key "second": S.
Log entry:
{"hour": 4, "minute": 2, "second": 50}
